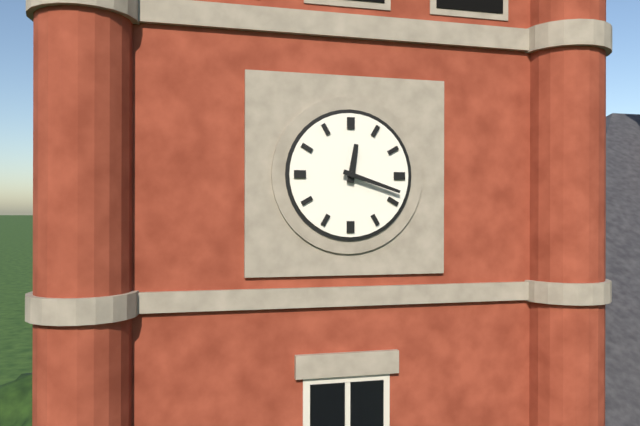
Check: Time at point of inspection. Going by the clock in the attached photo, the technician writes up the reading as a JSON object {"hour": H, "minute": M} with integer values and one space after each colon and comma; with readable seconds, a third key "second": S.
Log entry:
{"hour": 12, "minute": 18}
